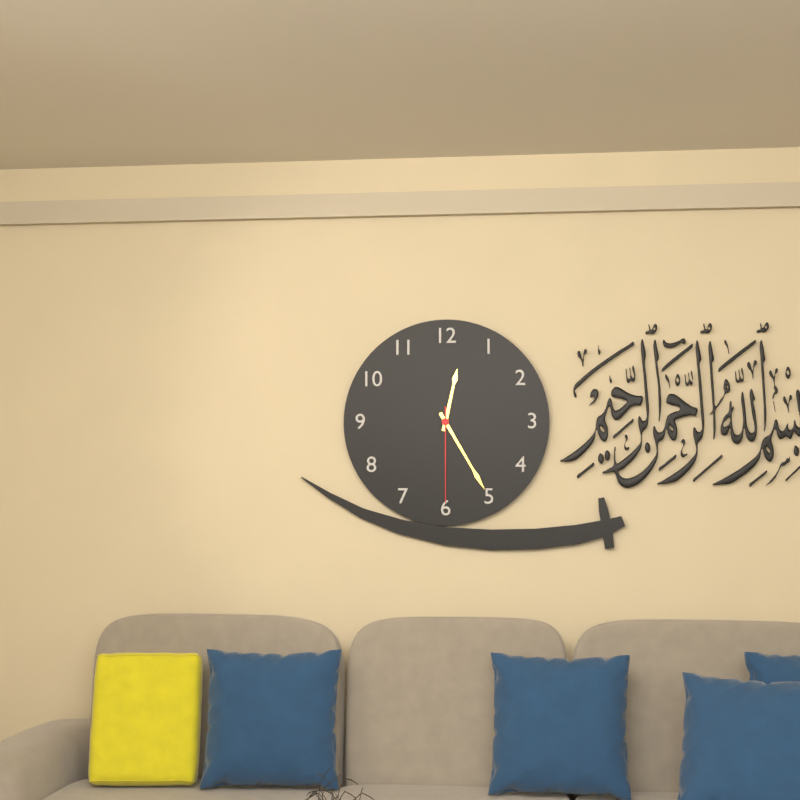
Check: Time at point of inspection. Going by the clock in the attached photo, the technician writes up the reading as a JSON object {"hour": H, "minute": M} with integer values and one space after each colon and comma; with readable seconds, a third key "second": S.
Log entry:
{"hour": 12, "minute": 25, "second": 30}
